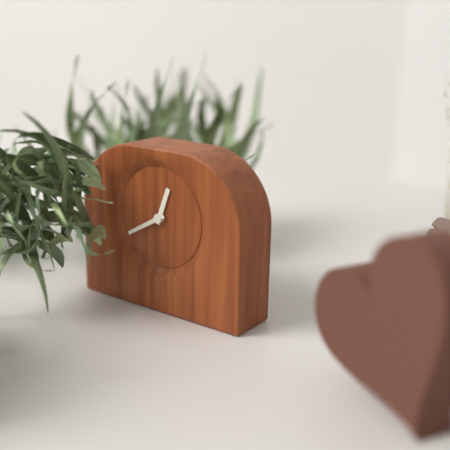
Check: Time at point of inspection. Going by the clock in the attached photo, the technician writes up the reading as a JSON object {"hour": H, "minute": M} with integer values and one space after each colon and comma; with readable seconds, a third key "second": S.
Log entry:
{"hour": 12, "minute": 40}
